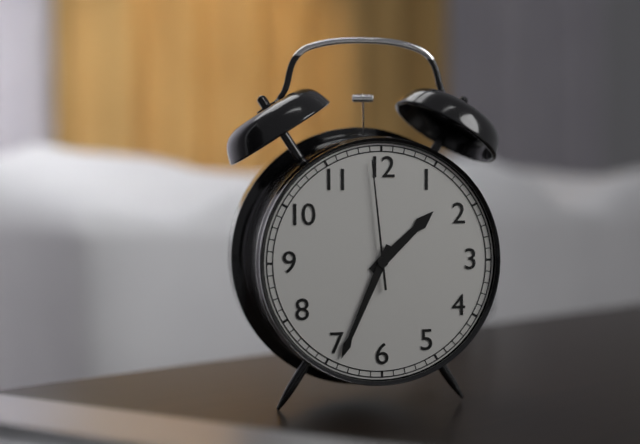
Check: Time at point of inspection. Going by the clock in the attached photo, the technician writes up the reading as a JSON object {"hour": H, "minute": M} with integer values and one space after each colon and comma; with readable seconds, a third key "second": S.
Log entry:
{"hour": 1, "minute": 34, "second": 59}
